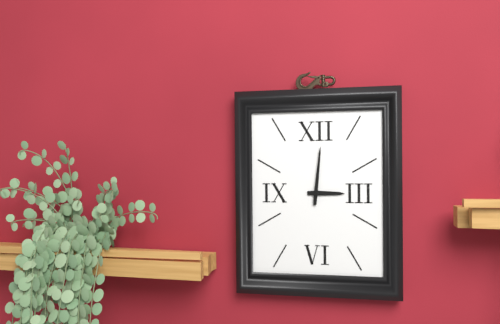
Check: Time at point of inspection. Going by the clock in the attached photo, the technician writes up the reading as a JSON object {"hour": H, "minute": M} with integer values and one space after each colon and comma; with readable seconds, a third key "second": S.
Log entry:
{"hour": 3, "minute": 1}
